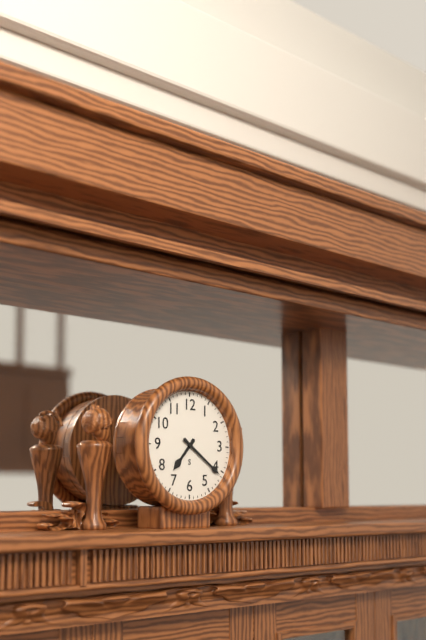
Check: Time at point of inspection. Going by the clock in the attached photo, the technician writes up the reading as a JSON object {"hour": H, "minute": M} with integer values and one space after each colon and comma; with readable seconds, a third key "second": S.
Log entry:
{"hour": 7, "minute": 21}
